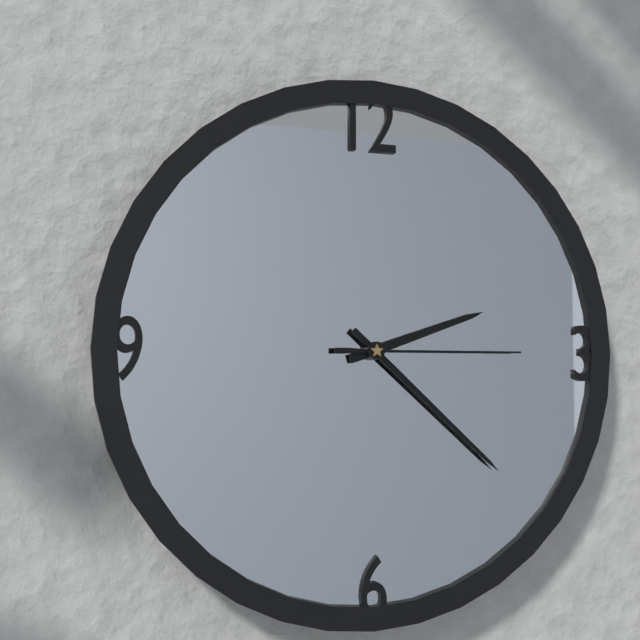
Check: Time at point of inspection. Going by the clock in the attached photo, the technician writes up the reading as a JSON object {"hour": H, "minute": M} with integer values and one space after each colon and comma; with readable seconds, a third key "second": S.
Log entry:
{"hour": 2, "minute": 22, "second": 15}
